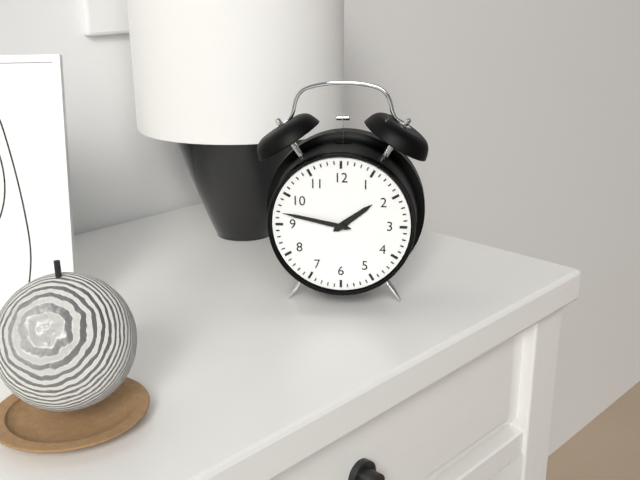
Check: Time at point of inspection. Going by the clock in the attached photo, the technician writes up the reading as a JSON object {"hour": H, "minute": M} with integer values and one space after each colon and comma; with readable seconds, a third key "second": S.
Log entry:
{"hour": 1, "minute": 47}
